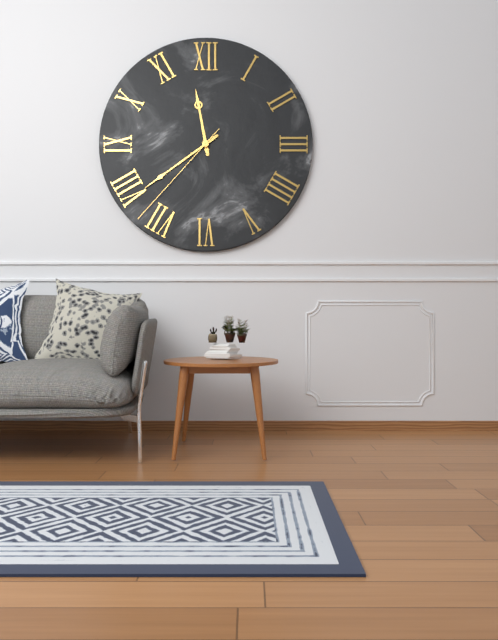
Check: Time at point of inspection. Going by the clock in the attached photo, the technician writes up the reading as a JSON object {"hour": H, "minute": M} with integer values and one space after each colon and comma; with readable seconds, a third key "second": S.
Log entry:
{"hour": 11, "minute": 39, "second": 37}
